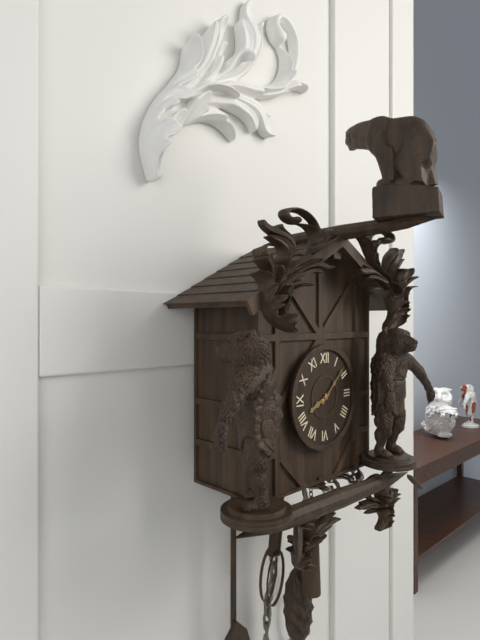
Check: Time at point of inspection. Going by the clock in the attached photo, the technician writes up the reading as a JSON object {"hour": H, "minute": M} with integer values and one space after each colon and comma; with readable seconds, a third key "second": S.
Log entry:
{"hour": 8, "minute": 8}
